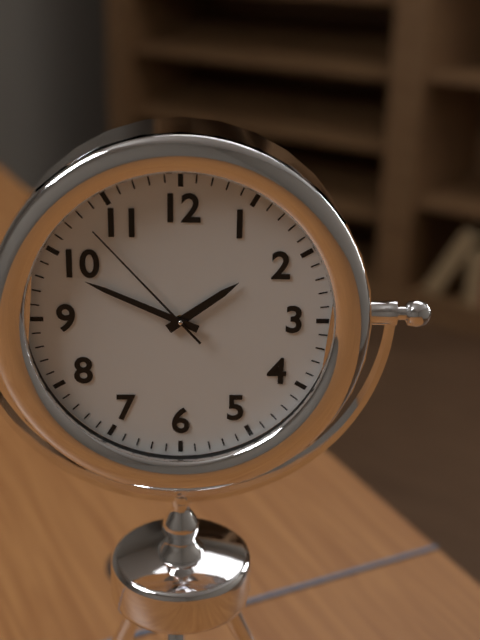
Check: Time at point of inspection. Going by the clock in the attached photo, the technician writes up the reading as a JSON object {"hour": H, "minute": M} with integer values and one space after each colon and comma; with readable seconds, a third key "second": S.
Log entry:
{"hour": 1, "minute": 49, "second": 53}
